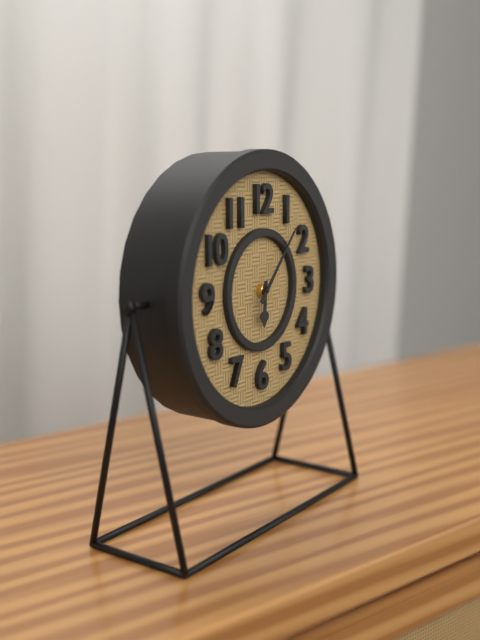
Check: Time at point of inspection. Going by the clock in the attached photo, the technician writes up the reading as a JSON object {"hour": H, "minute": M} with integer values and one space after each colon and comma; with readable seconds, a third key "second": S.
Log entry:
{"hour": 6, "minute": 7}
